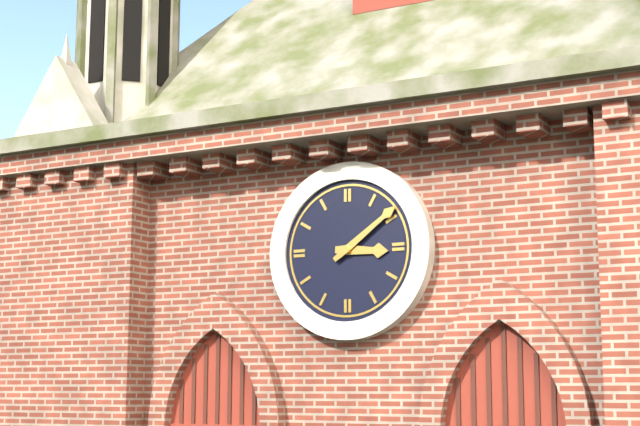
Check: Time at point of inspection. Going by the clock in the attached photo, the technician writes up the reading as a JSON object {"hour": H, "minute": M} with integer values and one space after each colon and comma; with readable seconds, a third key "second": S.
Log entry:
{"hour": 3, "minute": 9}
